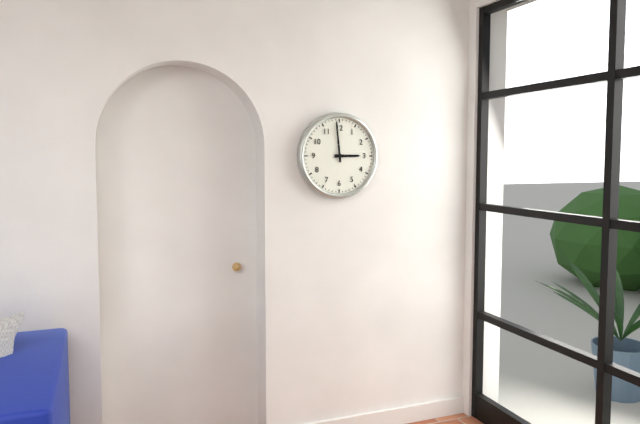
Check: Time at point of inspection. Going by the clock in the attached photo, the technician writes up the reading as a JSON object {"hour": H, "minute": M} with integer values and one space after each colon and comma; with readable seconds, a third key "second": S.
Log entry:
{"hour": 2, "minute": 59}
